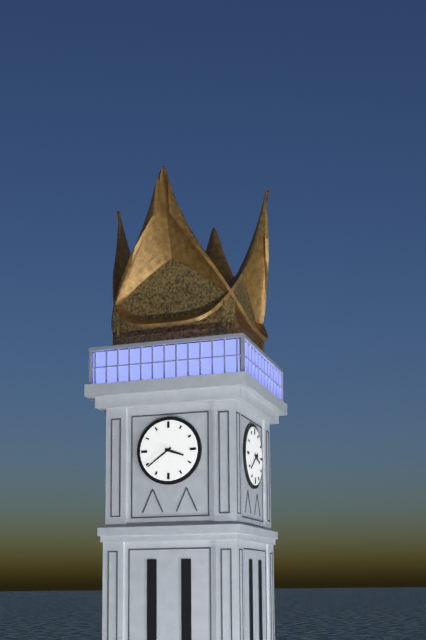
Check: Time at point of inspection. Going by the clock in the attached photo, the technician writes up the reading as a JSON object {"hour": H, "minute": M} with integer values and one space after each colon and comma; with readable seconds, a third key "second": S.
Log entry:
{"hour": 3, "minute": 39}
